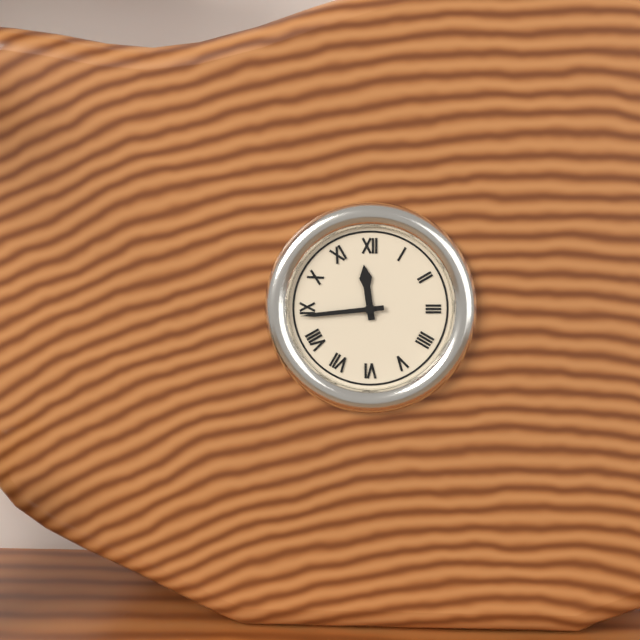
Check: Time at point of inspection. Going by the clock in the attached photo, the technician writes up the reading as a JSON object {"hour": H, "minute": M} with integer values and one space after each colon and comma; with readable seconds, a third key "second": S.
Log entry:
{"hour": 11, "minute": 44}
